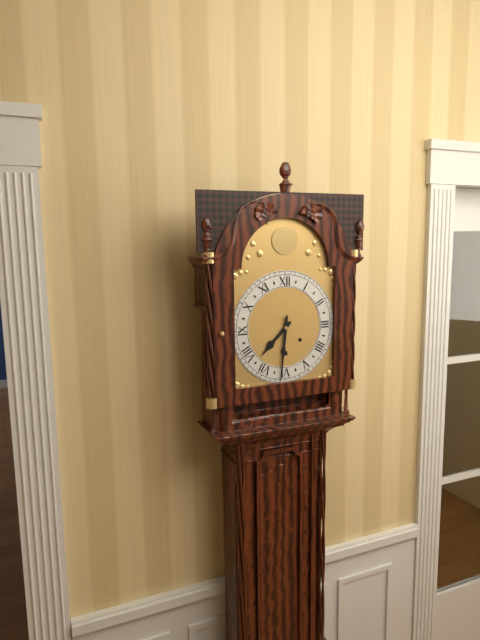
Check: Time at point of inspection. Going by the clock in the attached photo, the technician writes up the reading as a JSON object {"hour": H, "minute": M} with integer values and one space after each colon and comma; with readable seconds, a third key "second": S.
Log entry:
{"hour": 7, "minute": 31}
